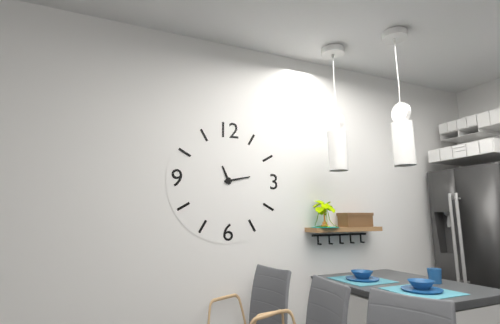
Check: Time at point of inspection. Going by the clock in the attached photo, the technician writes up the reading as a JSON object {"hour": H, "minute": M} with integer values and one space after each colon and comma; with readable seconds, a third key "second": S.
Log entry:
{"hour": 11, "minute": 13}
